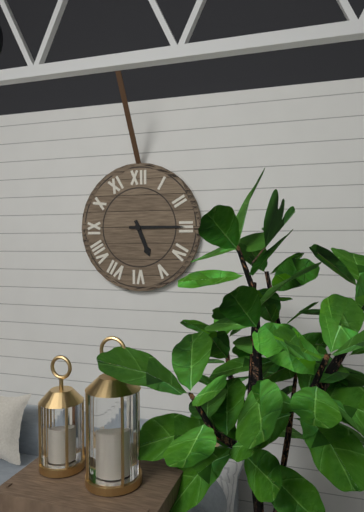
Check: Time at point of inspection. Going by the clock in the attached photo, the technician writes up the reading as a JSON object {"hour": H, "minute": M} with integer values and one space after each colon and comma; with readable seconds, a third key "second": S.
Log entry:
{"hour": 5, "minute": 15}
